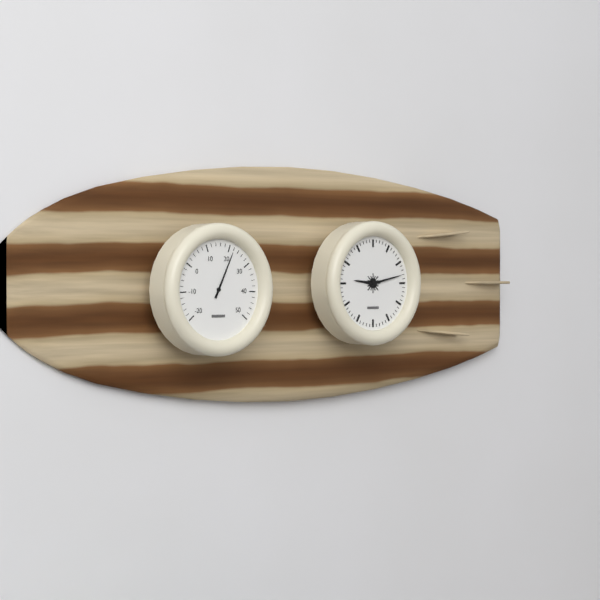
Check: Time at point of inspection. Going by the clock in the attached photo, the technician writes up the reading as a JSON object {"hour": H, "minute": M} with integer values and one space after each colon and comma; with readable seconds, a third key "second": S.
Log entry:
{"hour": 9, "minute": 13}
